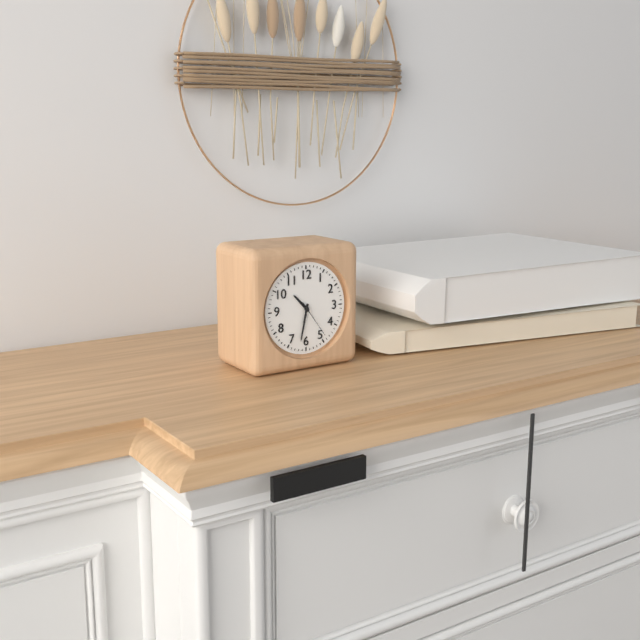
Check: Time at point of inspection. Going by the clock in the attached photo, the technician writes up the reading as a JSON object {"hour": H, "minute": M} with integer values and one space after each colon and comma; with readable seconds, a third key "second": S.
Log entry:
{"hour": 10, "minute": 32}
